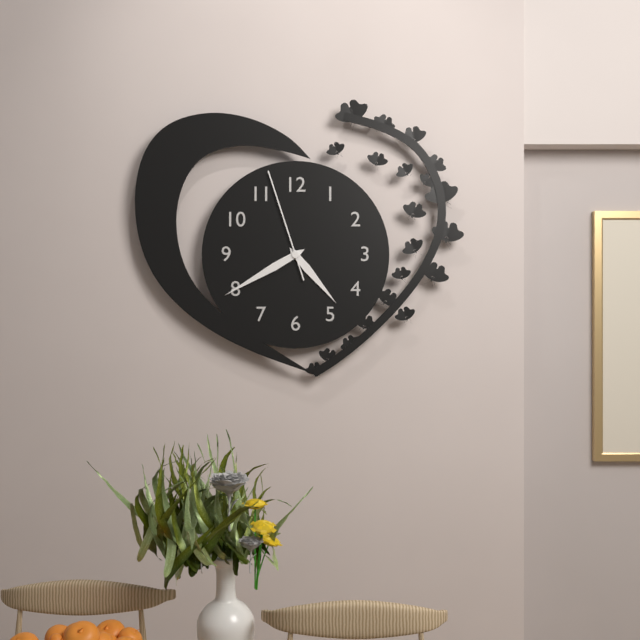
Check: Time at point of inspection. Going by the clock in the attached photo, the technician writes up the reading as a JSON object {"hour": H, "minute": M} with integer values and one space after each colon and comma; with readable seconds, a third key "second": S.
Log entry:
{"hour": 4, "minute": 40, "second": 57}
